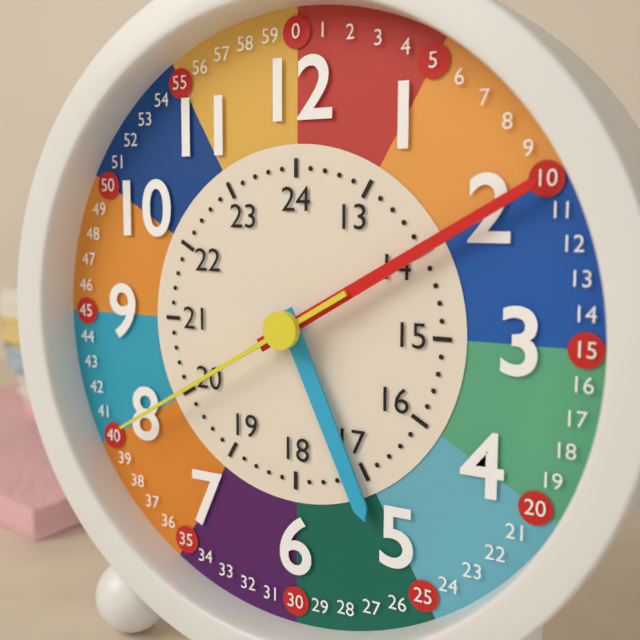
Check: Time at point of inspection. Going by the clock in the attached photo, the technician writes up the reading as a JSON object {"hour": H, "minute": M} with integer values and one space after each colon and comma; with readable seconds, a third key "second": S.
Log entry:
{"hour": 5, "minute": 10, "second": 40}
